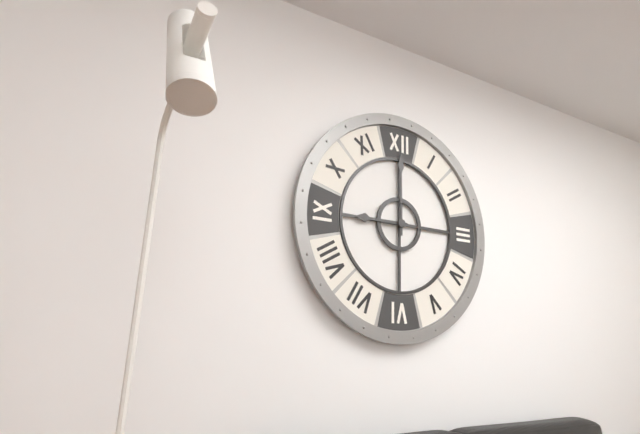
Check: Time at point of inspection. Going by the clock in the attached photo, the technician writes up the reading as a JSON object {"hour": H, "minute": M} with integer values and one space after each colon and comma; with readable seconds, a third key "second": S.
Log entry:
{"hour": 9, "minute": 0}
